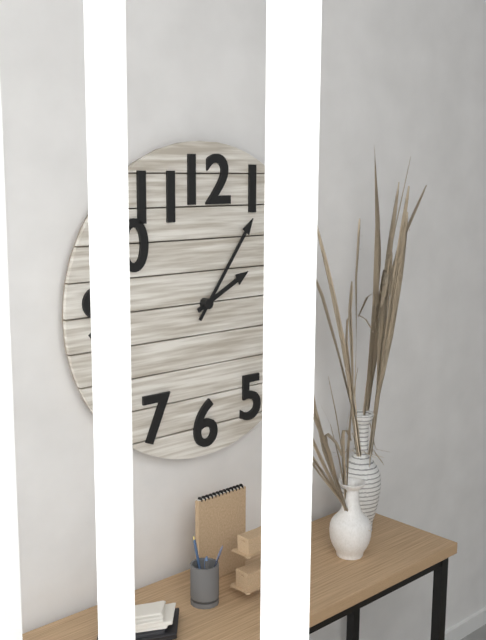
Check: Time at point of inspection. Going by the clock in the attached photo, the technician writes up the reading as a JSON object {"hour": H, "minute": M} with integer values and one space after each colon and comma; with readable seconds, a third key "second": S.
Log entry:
{"hour": 2, "minute": 6}
